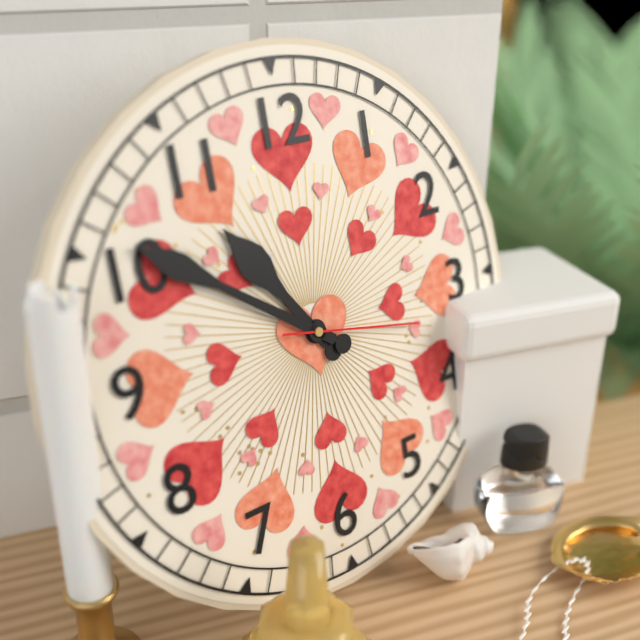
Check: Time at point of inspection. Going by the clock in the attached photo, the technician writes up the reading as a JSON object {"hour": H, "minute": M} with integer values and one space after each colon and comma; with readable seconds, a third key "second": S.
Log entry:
{"hour": 10, "minute": 51, "second": 17}
